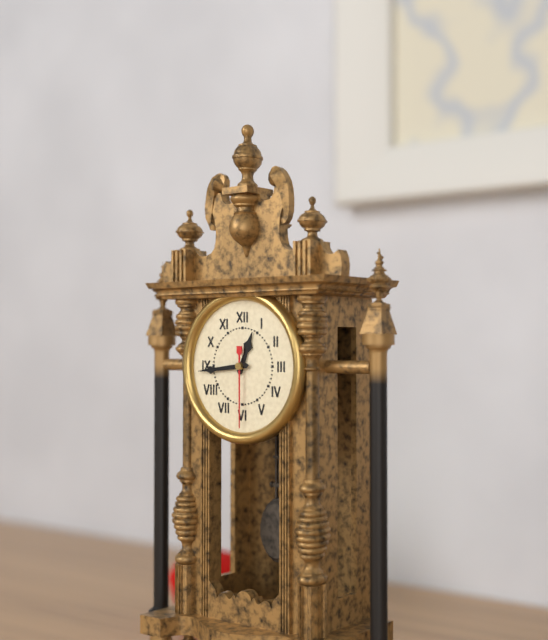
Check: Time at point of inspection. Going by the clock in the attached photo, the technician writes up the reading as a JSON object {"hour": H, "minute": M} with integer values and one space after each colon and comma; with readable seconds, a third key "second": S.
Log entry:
{"hour": 12, "minute": 44, "second": 30}
